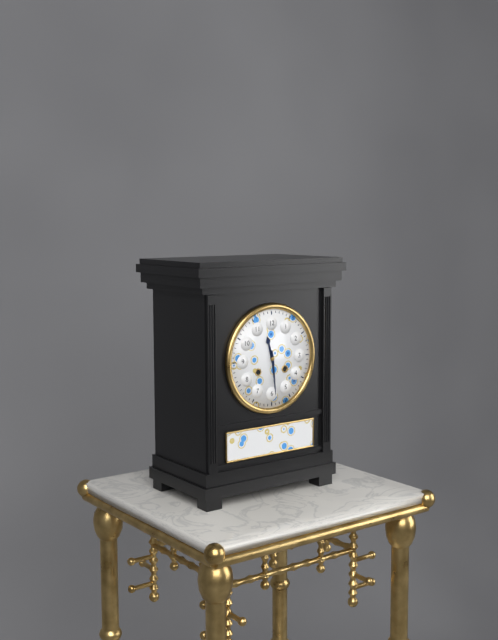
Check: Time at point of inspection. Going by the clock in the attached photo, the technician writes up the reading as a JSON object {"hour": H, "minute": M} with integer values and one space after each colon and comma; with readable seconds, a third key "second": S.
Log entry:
{"hour": 11, "minute": 29}
